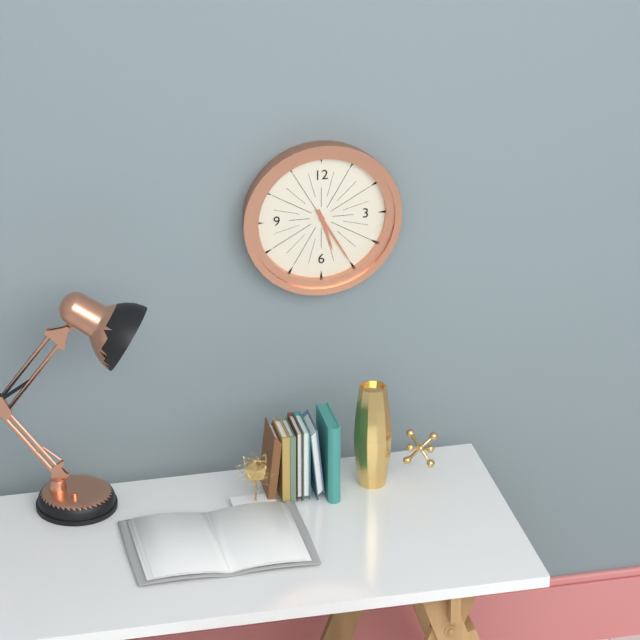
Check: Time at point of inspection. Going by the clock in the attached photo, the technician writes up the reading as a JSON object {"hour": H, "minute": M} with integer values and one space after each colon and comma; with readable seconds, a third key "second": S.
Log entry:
{"hour": 5, "minute": 25}
